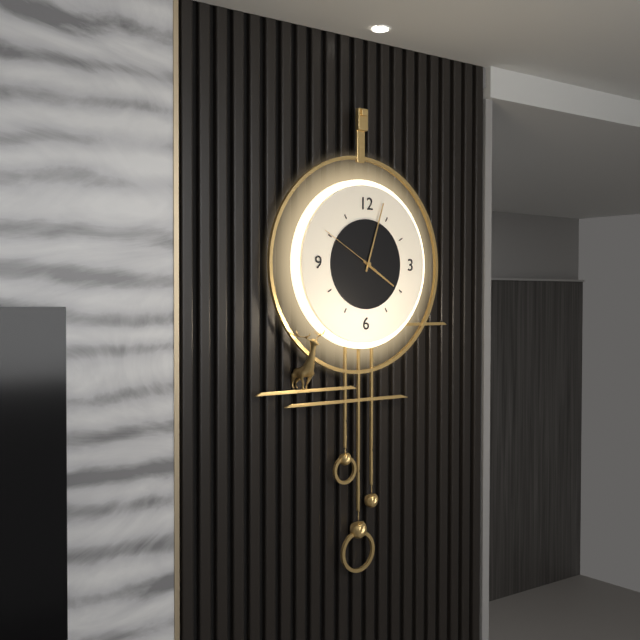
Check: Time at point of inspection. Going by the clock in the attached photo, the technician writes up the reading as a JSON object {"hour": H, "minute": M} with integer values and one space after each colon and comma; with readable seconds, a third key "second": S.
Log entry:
{"hour": 4, "minute": 3, "second": 50}
